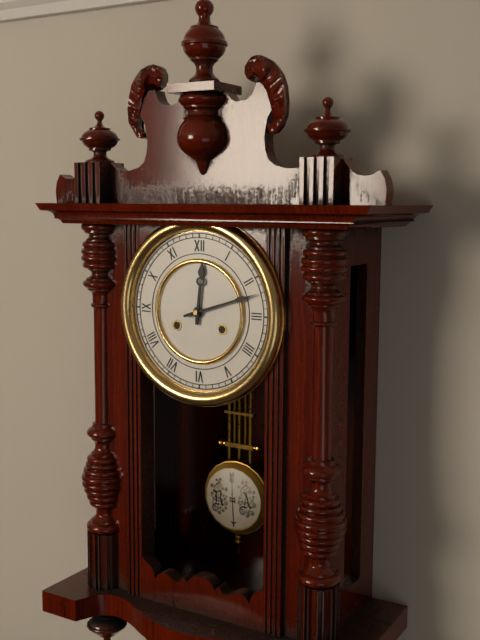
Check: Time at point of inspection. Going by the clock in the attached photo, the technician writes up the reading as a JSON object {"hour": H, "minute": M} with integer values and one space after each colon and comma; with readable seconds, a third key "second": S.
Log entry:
{"hour": 12, "minute": 12}
